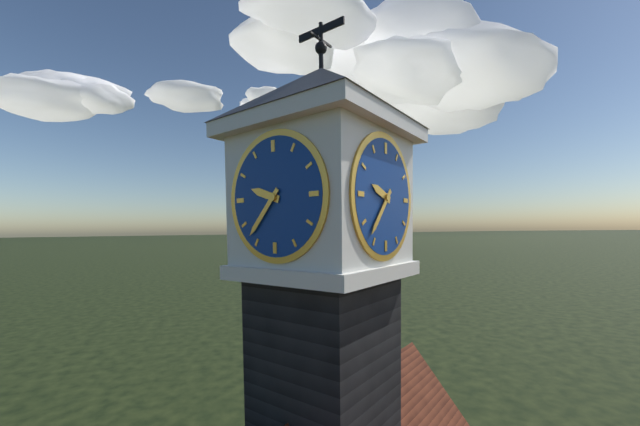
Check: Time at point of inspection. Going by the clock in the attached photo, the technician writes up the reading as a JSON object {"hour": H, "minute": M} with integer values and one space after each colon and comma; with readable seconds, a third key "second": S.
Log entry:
{"hour": 9, "minute": 37}
